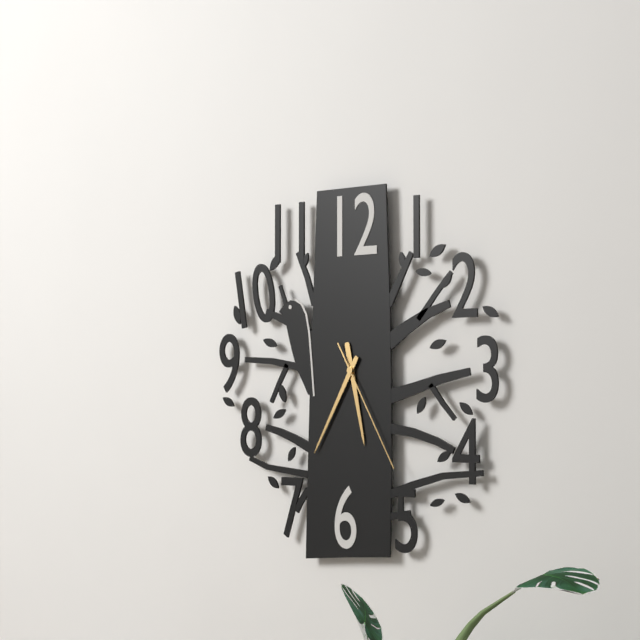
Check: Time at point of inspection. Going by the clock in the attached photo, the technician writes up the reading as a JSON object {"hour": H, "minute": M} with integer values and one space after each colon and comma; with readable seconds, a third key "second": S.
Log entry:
{"hour": 5, "minute": 35, "second": 25}
